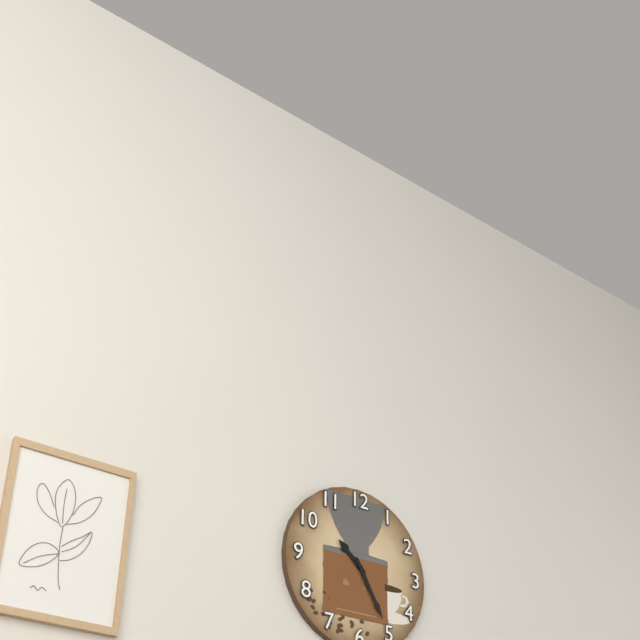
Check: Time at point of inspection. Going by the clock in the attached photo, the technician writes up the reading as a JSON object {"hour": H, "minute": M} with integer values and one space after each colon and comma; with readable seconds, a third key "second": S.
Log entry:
{"hour": 10, "minute": 25}
